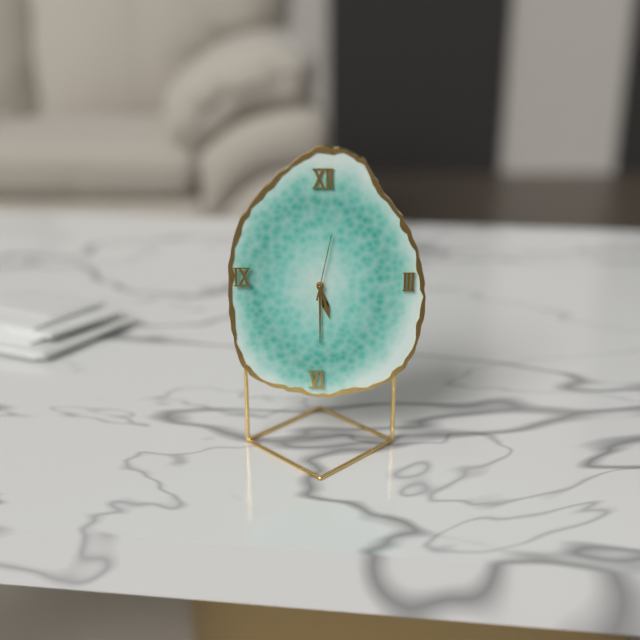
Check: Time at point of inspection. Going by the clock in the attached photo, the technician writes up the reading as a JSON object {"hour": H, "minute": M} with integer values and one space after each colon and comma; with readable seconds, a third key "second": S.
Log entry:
{"hour": 5, "minute": 30, "second": 2}
